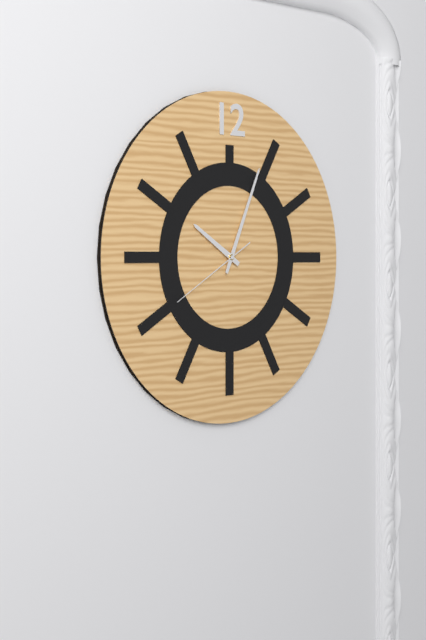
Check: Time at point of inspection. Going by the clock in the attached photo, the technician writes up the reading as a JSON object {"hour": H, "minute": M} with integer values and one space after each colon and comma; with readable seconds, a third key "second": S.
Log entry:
{"hour": 10, "minute": 4, "second": 40}
